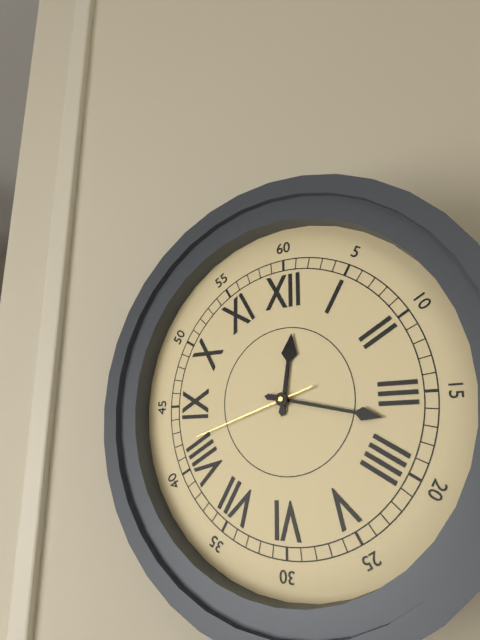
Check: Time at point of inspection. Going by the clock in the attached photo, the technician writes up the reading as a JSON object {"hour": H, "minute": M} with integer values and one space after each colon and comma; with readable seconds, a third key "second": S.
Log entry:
{"hour": 12, "minute": 17, "second": 42}
